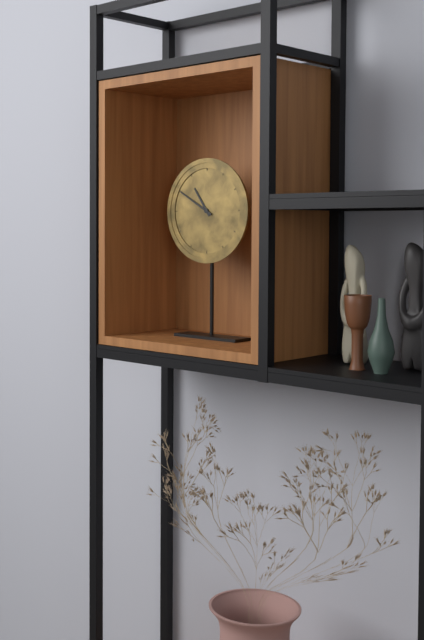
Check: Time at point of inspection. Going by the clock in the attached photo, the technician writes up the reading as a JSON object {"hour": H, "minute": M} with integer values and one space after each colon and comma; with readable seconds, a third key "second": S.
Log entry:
{"hour": 10, "minute": 50}
